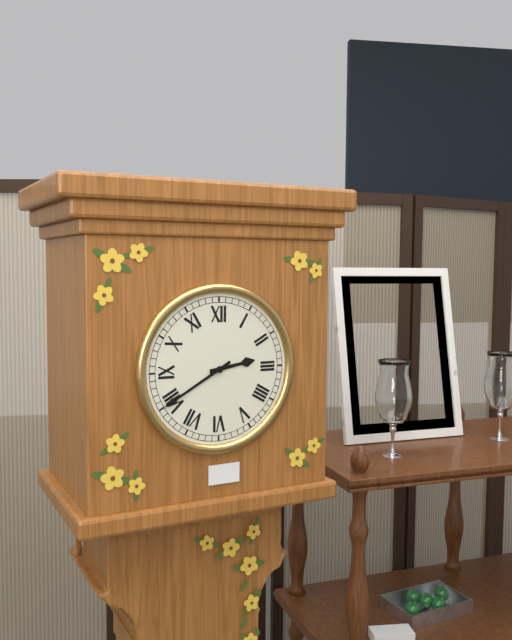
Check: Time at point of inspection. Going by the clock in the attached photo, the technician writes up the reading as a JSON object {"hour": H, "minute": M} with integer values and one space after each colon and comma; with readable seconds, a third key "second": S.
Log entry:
{"hour": 2, "minute": 40}
